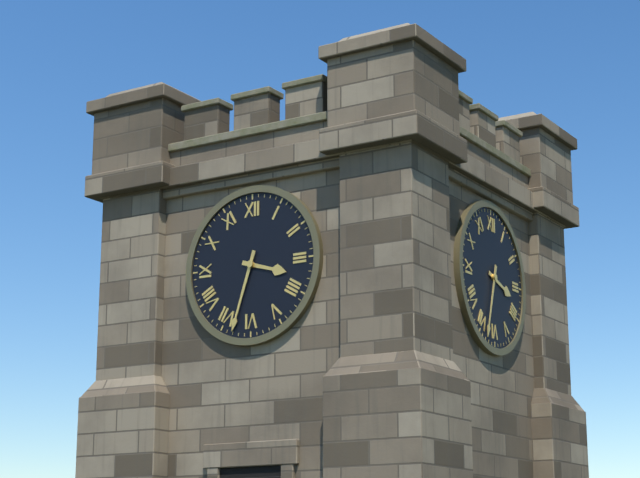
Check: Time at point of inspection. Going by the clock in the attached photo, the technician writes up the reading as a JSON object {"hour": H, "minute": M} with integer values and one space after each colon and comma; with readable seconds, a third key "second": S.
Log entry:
{"hour": 3, "minute": 33}
